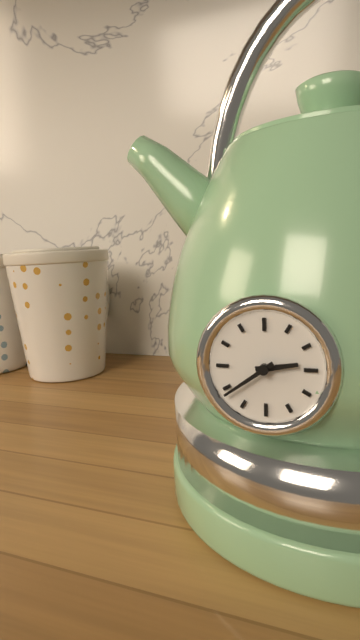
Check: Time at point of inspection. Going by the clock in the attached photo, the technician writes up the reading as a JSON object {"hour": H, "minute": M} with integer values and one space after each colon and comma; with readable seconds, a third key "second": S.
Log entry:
{"hour": 2, "minute": 39}
